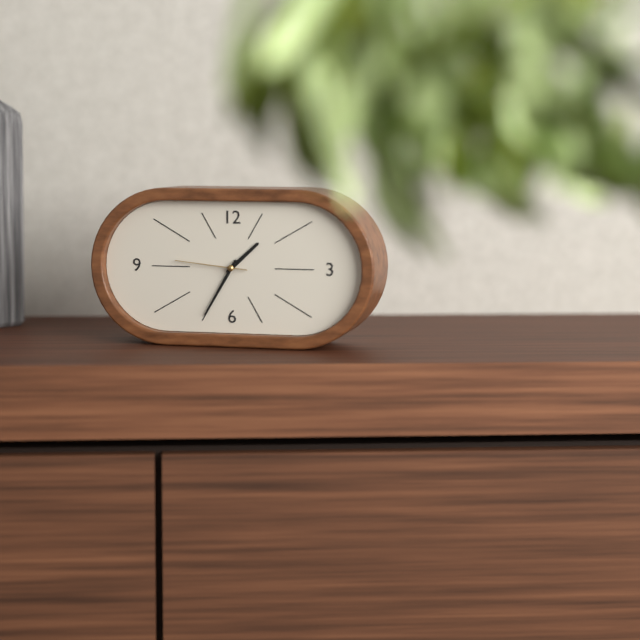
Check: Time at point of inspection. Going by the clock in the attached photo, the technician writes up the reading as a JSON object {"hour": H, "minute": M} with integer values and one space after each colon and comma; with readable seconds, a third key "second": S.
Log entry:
{"hour": 1, "minute": 35, "second": 46}
